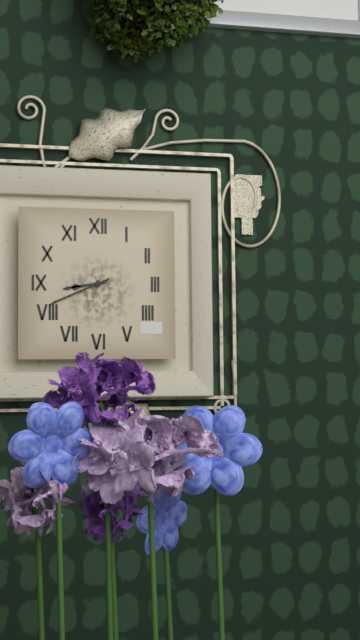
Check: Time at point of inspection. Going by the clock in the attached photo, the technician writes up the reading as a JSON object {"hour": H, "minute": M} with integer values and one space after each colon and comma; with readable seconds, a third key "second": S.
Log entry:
{"hour": 8, "minute": 41}
